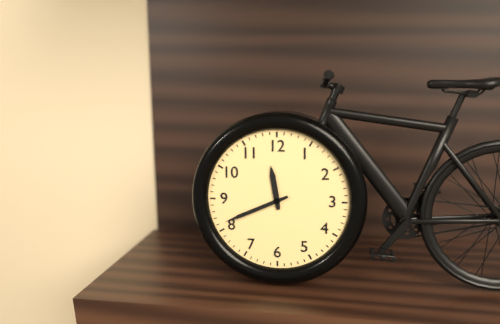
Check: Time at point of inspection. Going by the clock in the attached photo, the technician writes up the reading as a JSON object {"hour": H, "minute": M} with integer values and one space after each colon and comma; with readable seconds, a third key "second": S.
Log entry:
{"hour": 11, "minute": 41}
